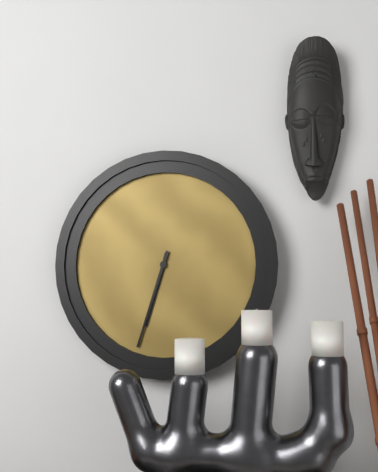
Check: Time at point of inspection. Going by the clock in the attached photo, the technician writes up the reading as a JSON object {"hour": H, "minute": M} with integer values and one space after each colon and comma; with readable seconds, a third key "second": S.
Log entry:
{"hour": 6, "minute": 33}
